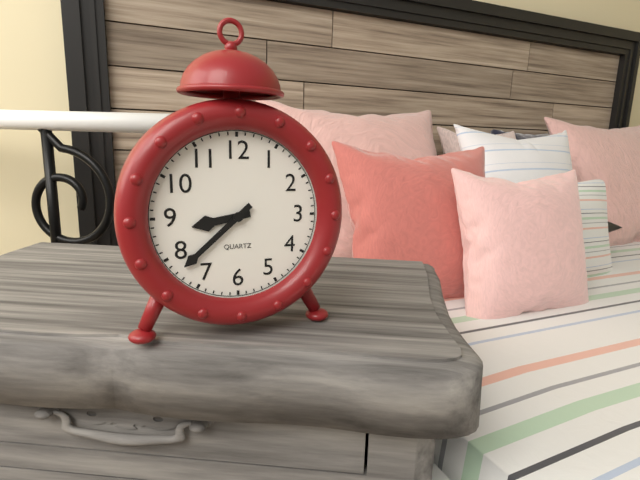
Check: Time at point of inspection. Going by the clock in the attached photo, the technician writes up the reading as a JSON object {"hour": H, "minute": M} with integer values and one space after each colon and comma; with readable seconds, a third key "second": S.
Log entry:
{"hour": 8, "minute": 38}
